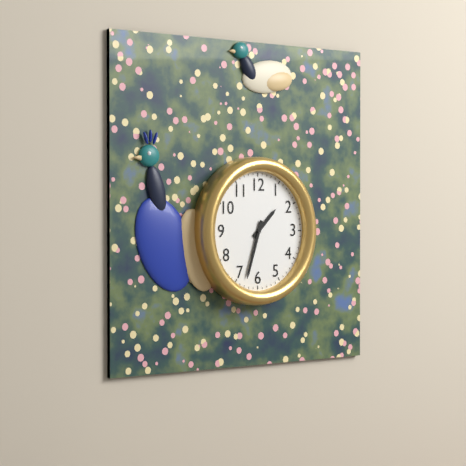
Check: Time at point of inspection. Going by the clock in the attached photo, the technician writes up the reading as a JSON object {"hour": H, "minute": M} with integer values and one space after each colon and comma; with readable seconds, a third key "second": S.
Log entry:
{"hour": 1, "minute": 33}
